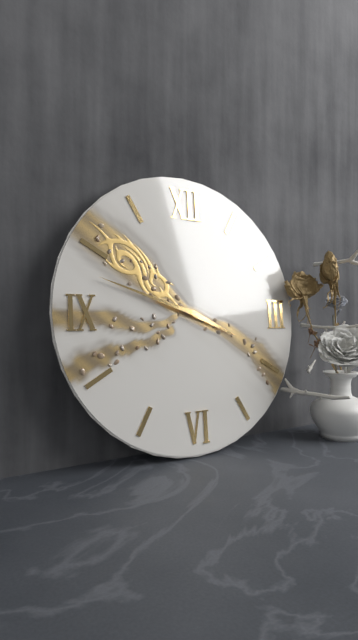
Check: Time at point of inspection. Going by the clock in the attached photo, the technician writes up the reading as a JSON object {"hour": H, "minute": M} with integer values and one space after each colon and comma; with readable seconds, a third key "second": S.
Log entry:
{"hour": 3, "minute": 48}
